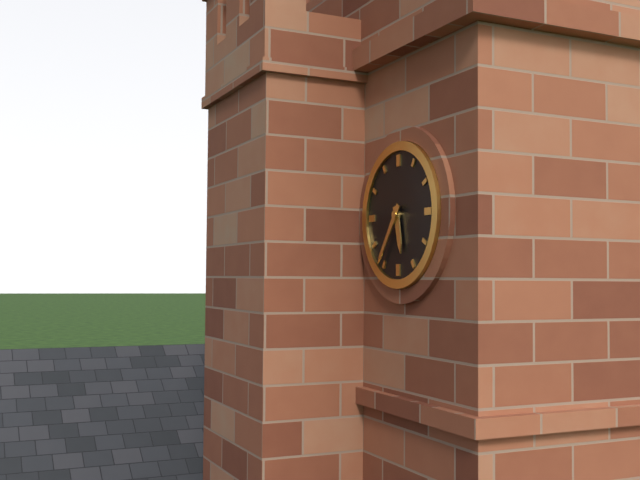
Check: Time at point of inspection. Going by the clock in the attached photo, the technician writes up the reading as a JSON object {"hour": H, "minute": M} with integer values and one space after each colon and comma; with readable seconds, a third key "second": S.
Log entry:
{"hour": 5, "minute": 36}
